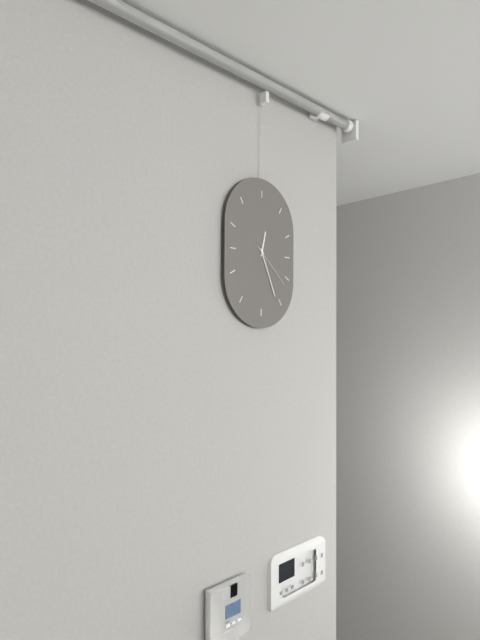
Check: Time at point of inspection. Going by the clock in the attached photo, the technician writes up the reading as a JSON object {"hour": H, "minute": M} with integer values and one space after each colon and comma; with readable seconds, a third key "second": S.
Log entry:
{"hour": 12, "minute": 26}
